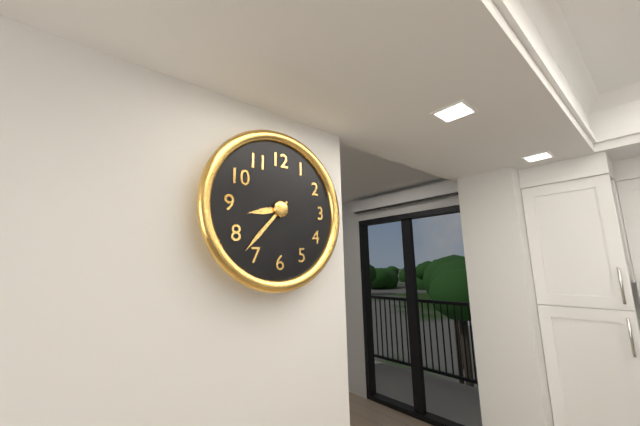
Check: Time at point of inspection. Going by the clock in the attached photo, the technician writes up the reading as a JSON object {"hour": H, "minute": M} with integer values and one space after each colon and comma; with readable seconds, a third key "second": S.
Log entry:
{"hour": 8, "minute": 37}
